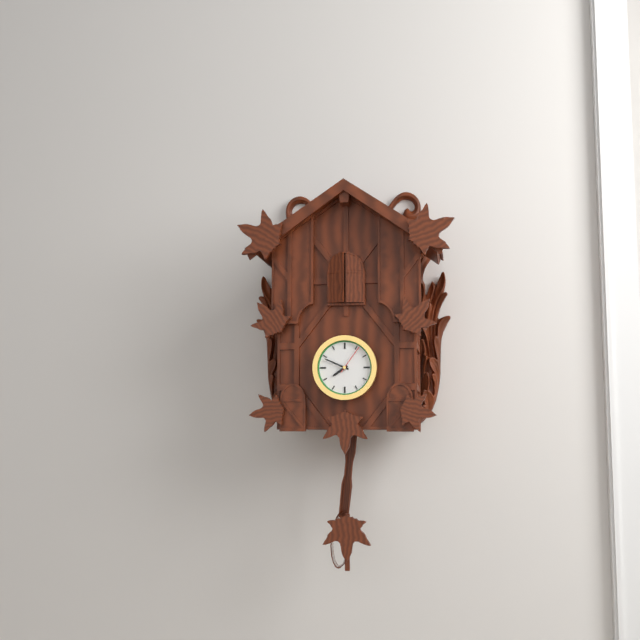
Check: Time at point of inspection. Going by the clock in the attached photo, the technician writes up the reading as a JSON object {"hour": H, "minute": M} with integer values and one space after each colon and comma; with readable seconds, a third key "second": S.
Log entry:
{"hour": 7, "minute": 49}
